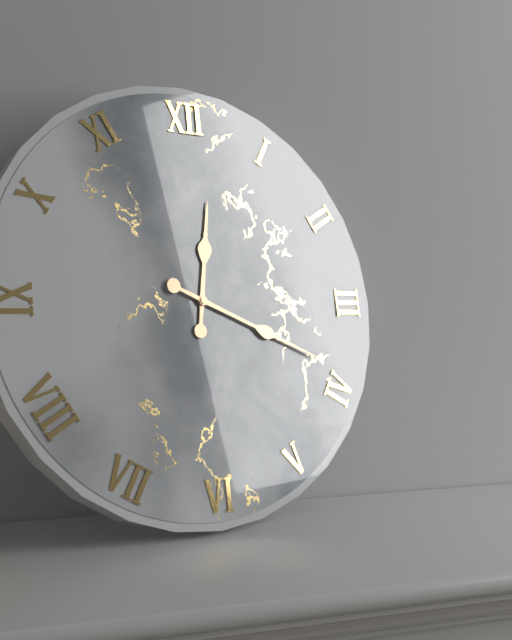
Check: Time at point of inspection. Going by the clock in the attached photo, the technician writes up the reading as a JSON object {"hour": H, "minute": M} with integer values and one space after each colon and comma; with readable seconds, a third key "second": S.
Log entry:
{"hour": 12, "minute": 19}
